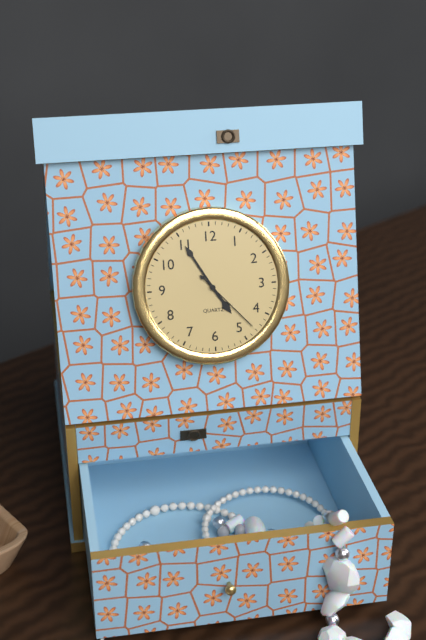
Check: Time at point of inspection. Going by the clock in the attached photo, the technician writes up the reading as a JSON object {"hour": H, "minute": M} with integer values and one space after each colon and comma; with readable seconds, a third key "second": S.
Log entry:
{"hour": 4, "minute": 55, "second": 23}
